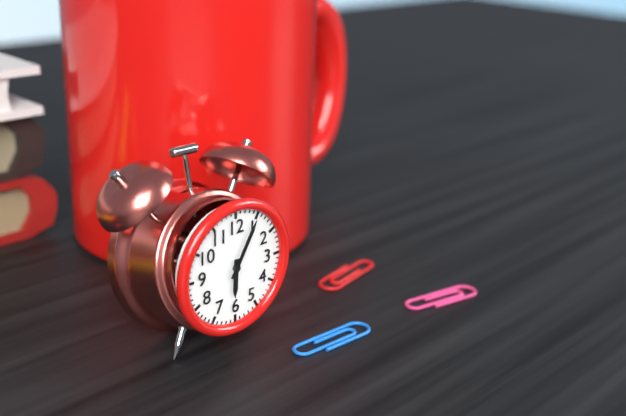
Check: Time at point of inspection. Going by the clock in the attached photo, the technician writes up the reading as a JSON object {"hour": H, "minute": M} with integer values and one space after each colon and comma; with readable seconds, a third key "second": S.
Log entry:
{"hour": 6, "minute": 5}
